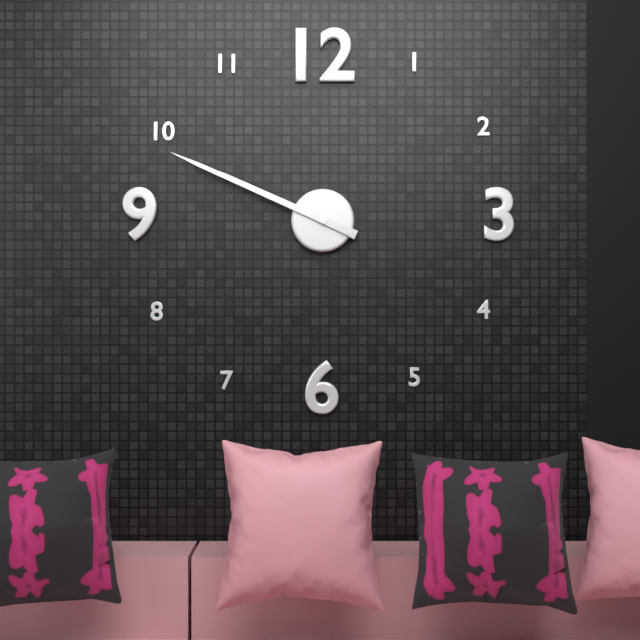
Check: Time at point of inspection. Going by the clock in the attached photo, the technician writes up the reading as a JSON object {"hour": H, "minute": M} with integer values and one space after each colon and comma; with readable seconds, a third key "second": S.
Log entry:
{"hour": 9, "minute": 49}
